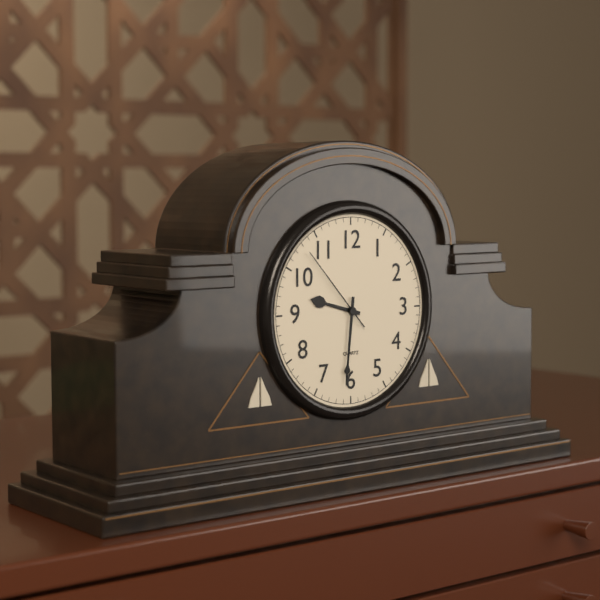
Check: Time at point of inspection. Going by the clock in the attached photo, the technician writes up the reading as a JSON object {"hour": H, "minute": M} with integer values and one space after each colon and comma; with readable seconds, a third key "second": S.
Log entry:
{"hour": 9, "minute": 31, "second": 53}
